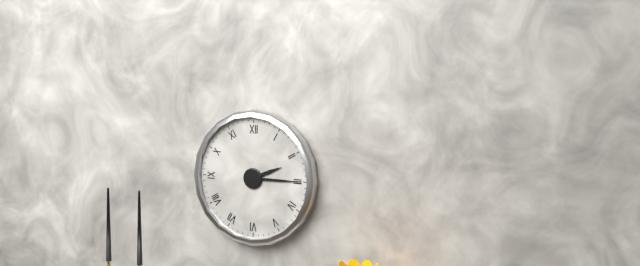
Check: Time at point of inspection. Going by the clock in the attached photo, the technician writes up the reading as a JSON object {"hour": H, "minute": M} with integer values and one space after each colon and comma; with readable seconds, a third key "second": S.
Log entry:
{"hour": 2, "minute": 15}
